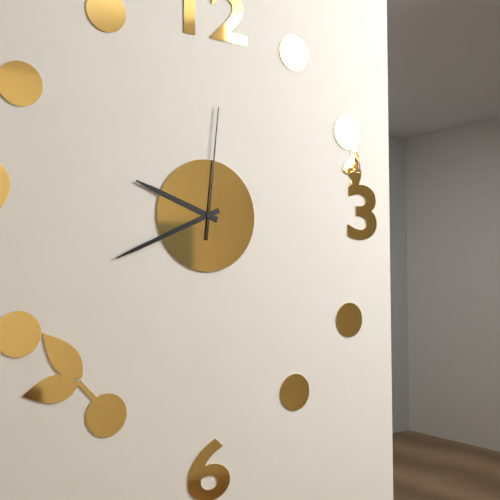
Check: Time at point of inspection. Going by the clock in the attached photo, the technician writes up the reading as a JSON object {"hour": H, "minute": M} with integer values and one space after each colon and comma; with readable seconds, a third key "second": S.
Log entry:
{"hour": 9, "minute": 41, "second": 1}
